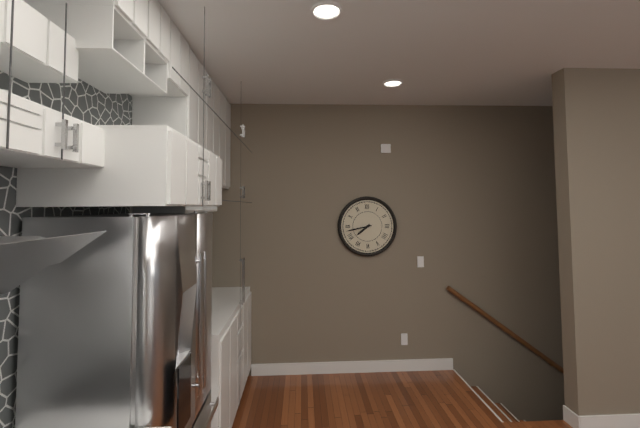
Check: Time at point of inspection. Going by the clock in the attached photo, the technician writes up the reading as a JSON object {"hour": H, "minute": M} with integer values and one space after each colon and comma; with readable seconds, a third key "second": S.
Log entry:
{"hour": 7, "minute": 43}
